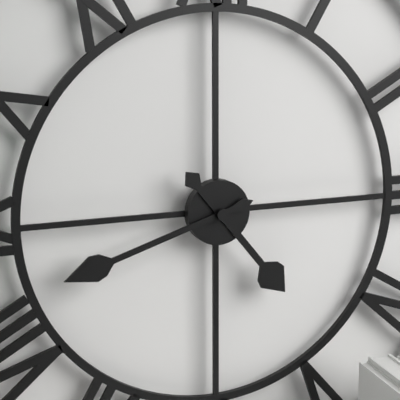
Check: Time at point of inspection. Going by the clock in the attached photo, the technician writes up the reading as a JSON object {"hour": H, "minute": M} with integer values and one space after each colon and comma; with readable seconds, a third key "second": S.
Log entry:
{"hour": 4, "minute": 42}
